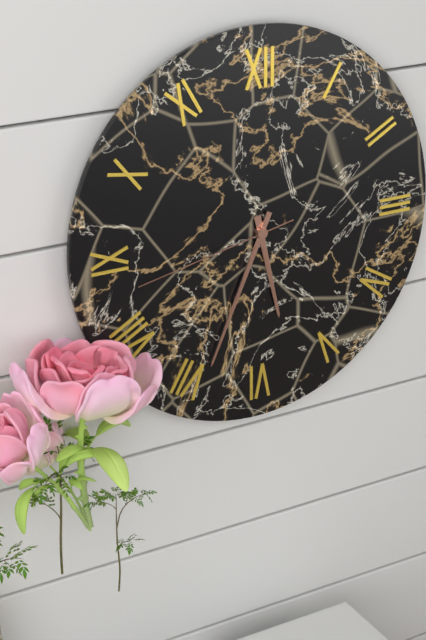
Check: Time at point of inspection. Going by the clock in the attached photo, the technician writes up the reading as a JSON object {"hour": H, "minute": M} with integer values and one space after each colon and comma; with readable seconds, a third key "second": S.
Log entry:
{"hour": 5, "minute": 34, "second": 43}
